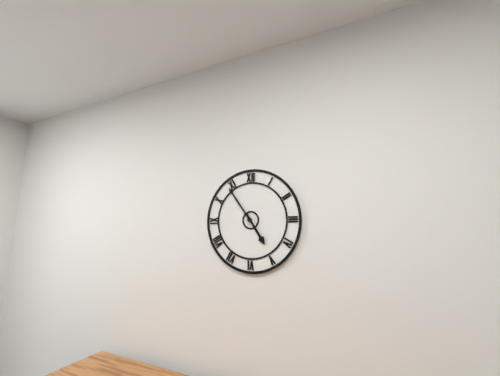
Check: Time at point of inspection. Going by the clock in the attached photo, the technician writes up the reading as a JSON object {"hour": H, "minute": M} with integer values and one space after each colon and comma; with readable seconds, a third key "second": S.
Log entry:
{"hour": 4, "minute": 54}
